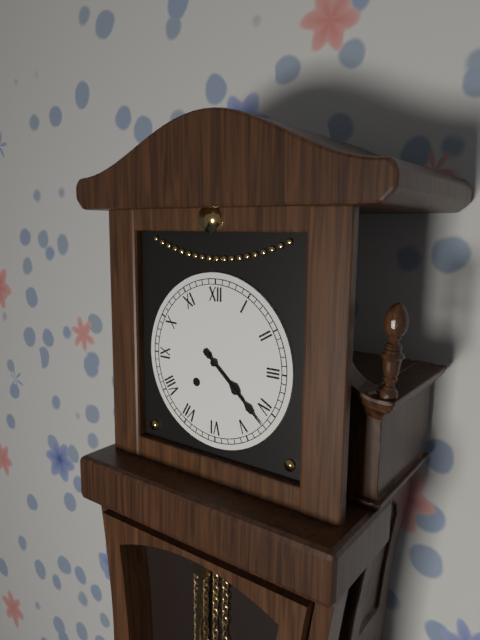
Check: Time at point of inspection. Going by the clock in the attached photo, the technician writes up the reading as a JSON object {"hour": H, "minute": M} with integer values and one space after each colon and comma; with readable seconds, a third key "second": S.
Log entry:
{"hour": 4, "minute": 22}
